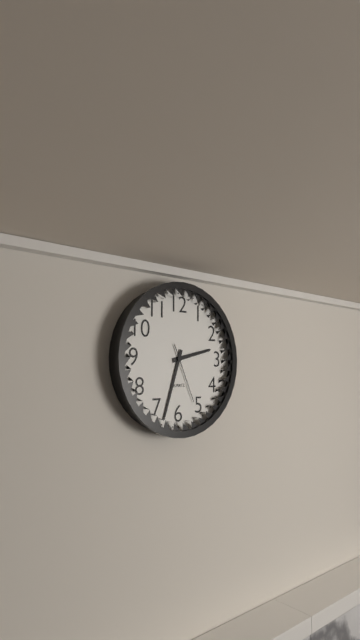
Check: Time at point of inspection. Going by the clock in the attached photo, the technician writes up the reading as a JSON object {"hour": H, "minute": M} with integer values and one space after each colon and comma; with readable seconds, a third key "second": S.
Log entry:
{"hour": 2, "minute": 33, "second": 26}
